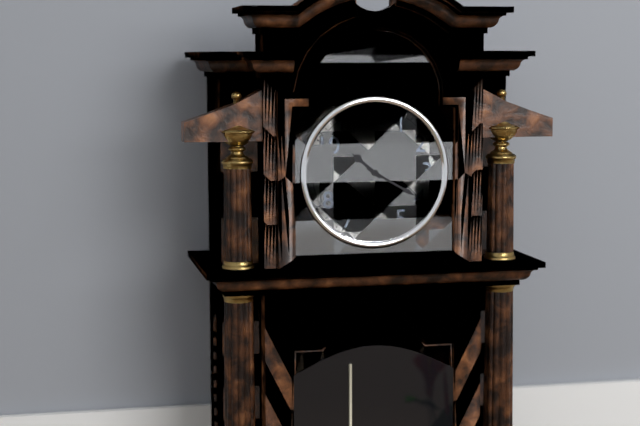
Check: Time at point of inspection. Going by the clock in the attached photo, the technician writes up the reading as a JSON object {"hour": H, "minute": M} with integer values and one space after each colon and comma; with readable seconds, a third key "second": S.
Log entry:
{"hour": 10, "minute": 20}
